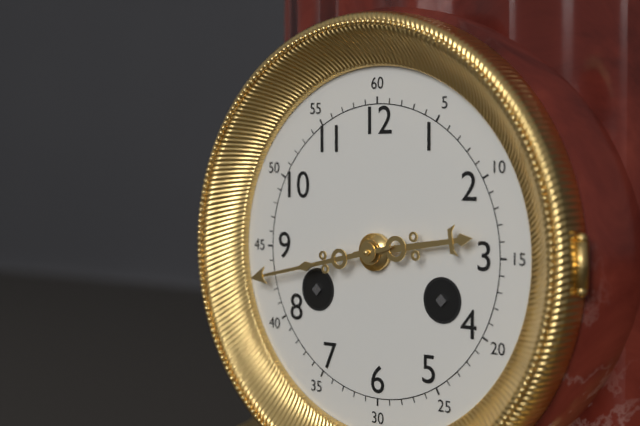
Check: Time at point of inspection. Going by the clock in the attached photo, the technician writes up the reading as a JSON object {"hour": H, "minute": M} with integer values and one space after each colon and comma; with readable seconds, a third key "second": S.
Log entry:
{"hour": 2, "minute": 43}
